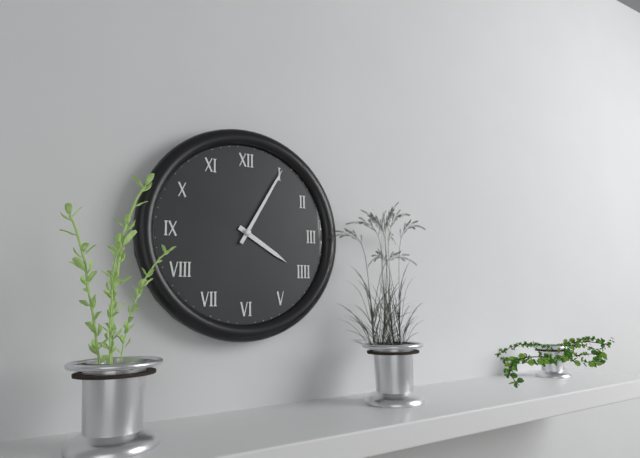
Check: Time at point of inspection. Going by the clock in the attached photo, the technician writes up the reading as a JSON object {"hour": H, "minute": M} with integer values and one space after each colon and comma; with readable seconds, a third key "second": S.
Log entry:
{"hour": 4, "minute": 5}
